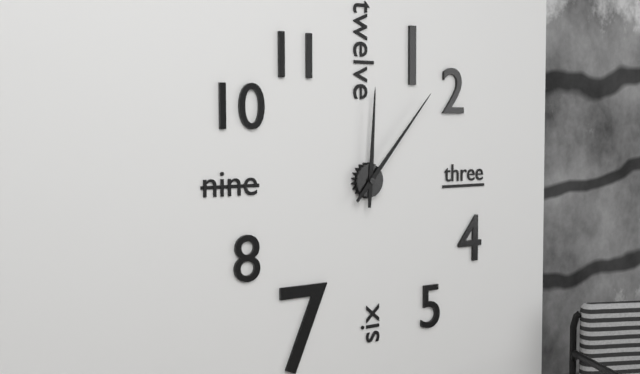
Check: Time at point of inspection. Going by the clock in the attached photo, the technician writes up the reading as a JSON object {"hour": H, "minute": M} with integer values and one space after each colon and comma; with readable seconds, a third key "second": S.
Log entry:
{"hour": 12, "minute": 7}
